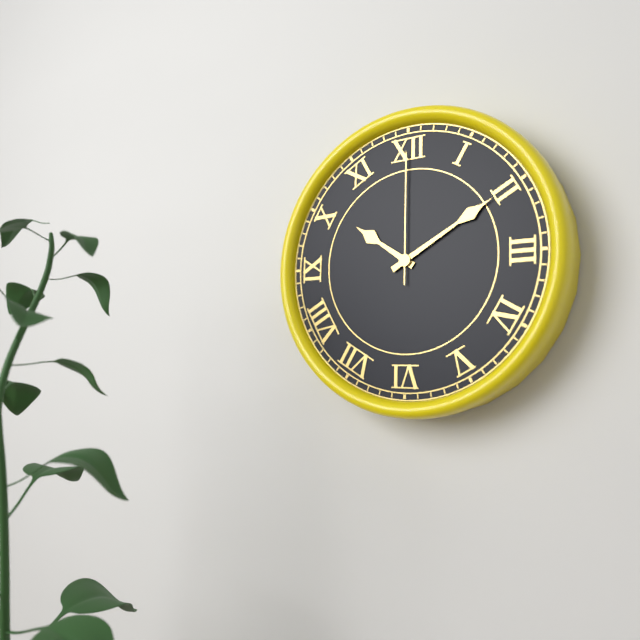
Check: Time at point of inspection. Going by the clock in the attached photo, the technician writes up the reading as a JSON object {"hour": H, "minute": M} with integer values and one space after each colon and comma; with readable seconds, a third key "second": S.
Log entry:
{"hour": 10, "minute": 10, "second": 0}
